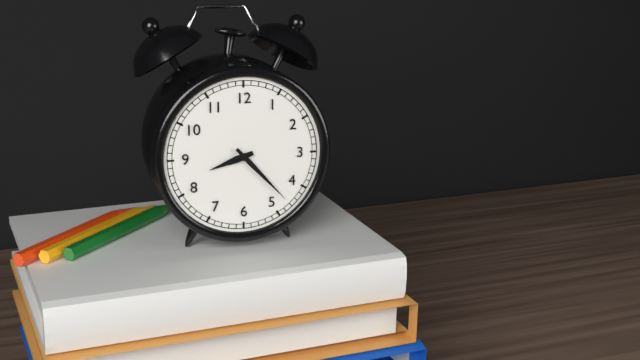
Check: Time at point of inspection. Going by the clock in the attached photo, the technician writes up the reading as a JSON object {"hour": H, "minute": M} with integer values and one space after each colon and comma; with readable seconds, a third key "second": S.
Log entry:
{"hour": 8, "minute": 23}
